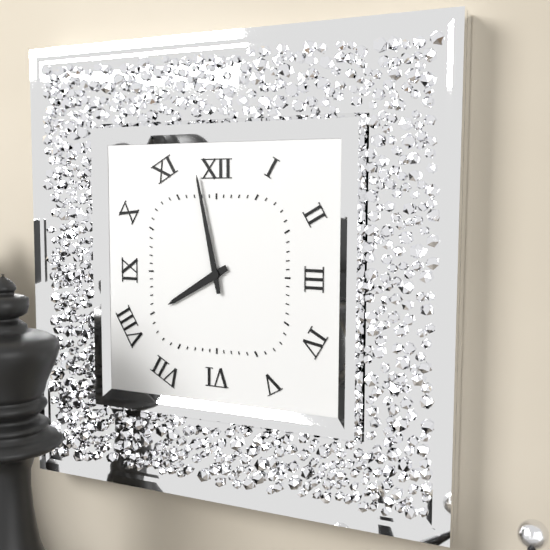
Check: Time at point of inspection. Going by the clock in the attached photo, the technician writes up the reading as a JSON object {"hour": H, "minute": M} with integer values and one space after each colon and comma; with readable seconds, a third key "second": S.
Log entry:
{"hour": 7, "minute": 58}
